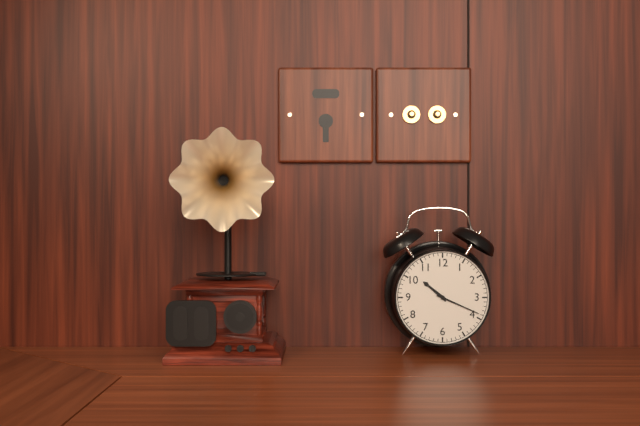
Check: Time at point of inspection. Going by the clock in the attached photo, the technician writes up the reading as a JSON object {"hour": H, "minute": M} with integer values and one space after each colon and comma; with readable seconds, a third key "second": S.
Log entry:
{"hour": 10, "minute": 19}
